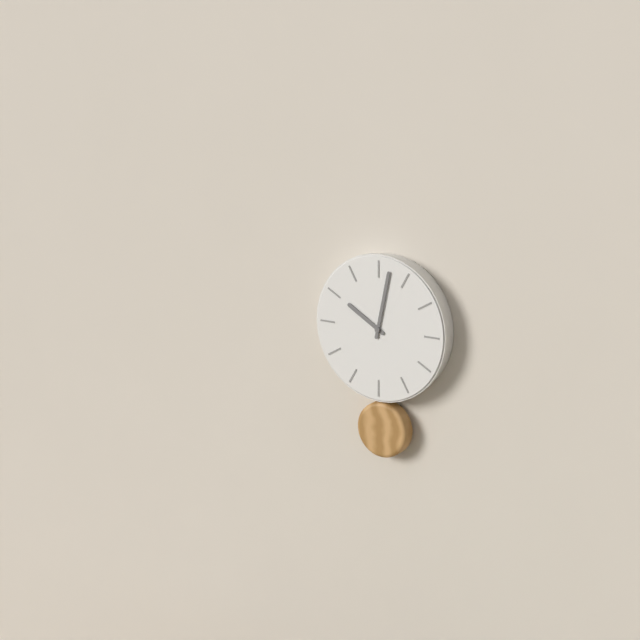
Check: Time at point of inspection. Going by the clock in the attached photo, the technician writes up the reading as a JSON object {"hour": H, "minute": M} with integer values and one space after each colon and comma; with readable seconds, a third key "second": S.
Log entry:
{"hour": 10, "minute": 2}
